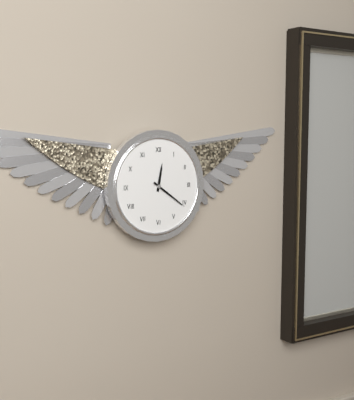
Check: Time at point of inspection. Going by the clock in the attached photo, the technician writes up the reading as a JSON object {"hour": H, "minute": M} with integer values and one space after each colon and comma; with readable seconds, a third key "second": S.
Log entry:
{"hour": 12, "minute": 21}
